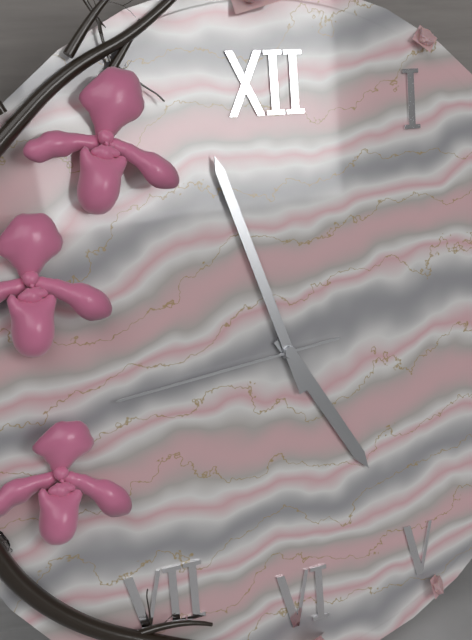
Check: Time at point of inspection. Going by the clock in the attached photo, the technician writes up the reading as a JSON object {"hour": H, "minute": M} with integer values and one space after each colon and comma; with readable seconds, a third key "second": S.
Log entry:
{"hour": 4, "minute": 57, "second": 44}
